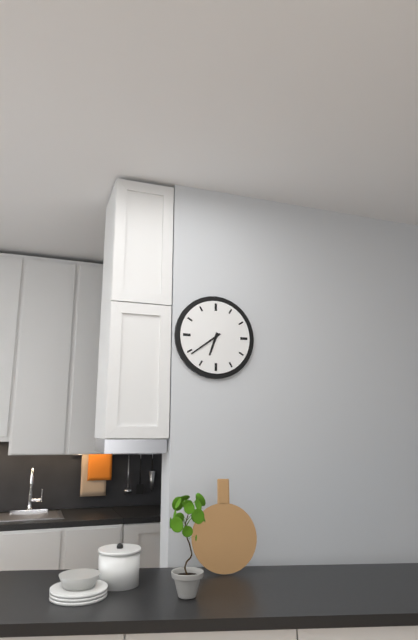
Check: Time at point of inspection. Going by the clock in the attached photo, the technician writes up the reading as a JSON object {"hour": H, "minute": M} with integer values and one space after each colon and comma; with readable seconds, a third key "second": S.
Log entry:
{"hour": 6, "minute": 39}
